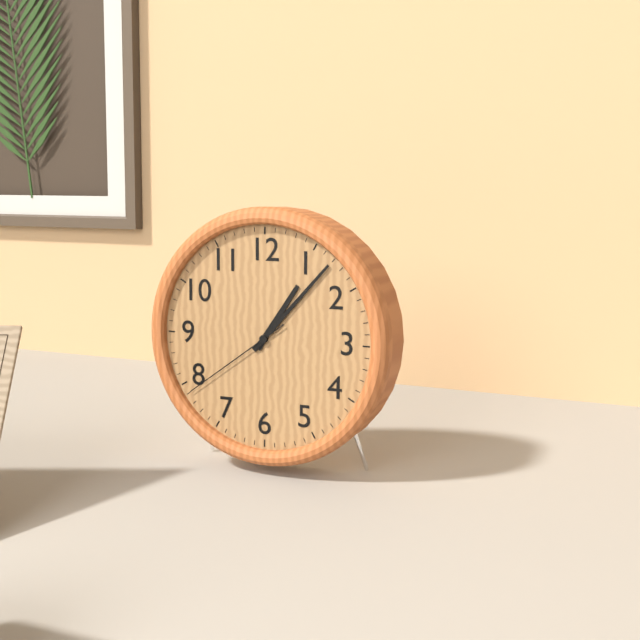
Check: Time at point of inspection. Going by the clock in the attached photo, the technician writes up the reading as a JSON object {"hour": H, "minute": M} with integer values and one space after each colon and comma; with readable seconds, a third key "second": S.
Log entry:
{"hour": 1, "minute": 7, "second": 39}
